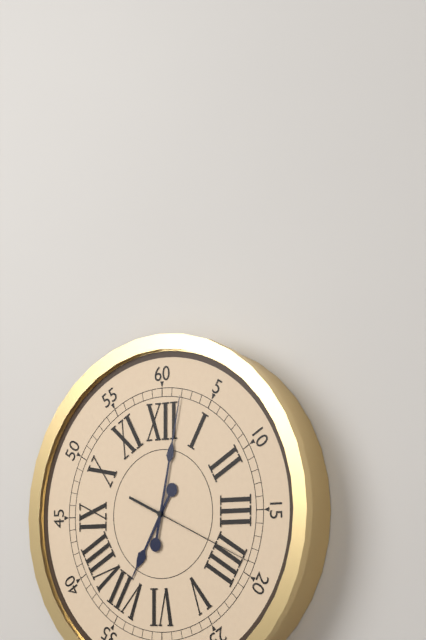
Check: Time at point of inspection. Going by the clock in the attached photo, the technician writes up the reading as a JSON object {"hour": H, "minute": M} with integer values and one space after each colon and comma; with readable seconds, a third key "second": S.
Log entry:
{"hour": 7, "minute": 2, "second": 19}
